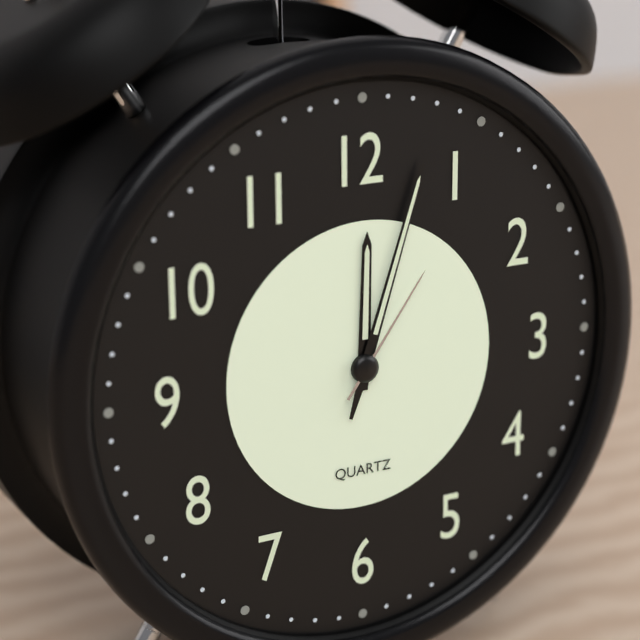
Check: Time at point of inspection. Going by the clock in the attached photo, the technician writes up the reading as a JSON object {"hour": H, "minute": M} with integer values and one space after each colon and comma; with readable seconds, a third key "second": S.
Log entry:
{"hour": 12, "minute": 3, "second": 6}
